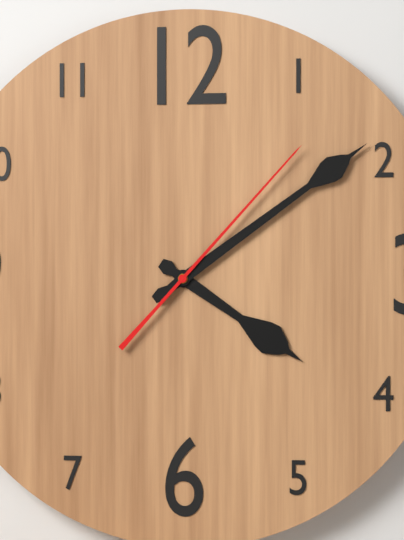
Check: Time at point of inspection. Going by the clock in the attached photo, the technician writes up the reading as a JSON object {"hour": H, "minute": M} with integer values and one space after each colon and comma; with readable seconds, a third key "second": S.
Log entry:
{"hour": 4, "minute": 9, "second": 7}
